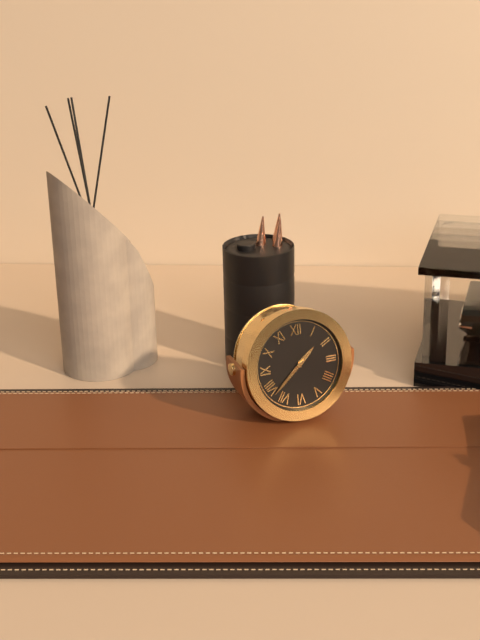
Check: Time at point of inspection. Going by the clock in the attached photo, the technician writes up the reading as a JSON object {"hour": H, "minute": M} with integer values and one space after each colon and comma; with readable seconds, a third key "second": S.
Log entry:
{"hour": 1, "minute": 38}
